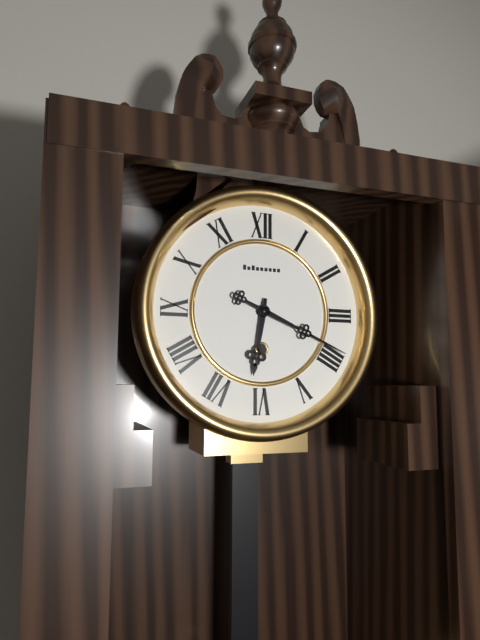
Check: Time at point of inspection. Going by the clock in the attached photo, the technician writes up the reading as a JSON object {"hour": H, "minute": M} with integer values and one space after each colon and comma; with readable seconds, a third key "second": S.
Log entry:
{"hour": 6, "minute": 19}
